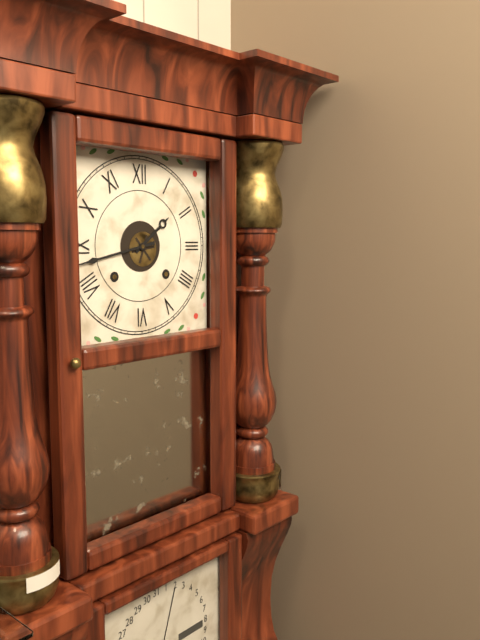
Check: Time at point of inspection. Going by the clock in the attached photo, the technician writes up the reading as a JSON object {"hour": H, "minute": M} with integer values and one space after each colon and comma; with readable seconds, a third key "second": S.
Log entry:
{"hour": 1, "minute": 43}
